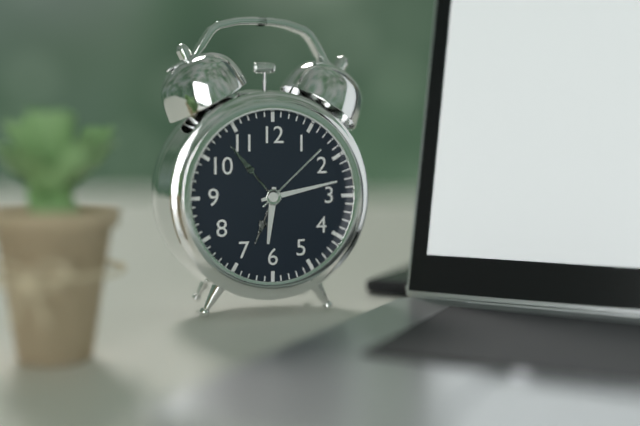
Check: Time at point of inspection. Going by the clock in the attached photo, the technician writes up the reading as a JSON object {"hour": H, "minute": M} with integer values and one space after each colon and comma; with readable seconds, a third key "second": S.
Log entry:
{"hour": 6, "minute": 13}
